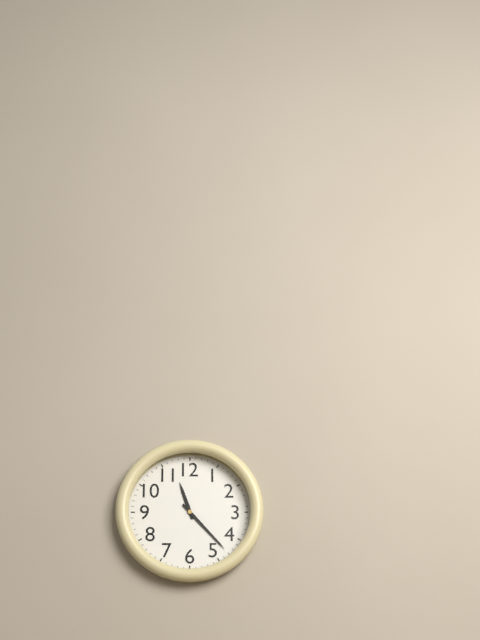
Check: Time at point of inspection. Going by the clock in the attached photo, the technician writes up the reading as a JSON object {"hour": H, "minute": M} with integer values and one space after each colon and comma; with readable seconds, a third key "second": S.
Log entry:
{"hour": 11, "minute": 23}
